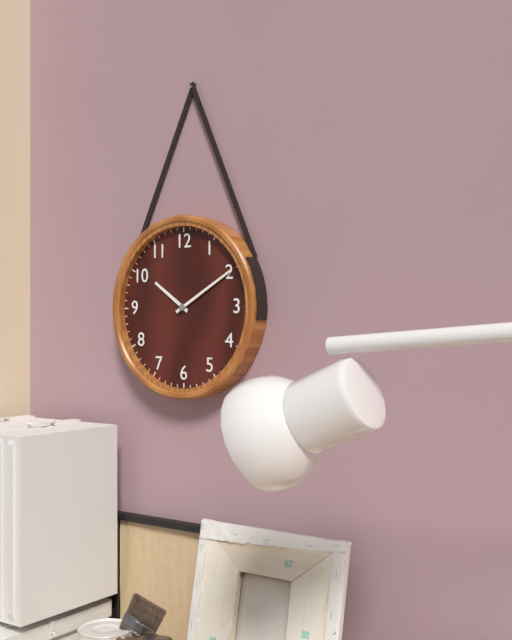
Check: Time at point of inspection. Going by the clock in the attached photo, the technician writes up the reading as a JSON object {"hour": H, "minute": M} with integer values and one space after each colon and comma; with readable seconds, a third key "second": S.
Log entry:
{"hour": 10, "minute": 10}
